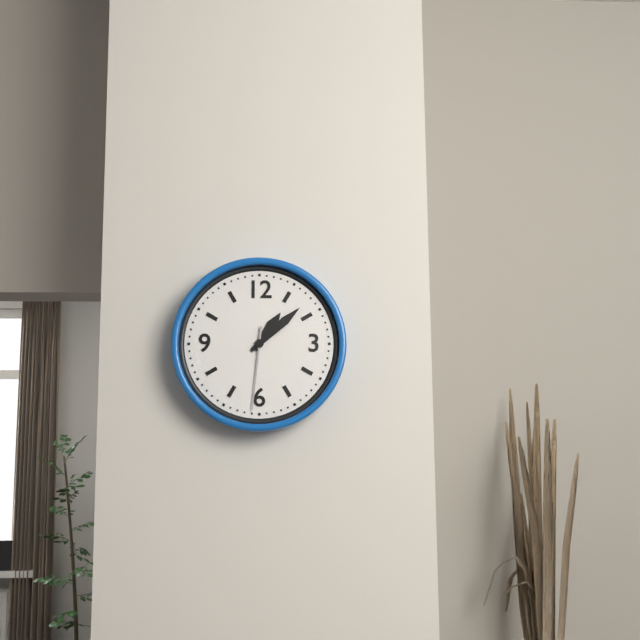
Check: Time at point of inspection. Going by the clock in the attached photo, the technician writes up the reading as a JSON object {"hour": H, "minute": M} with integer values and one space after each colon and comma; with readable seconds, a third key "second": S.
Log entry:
{"hour": 1, "minute": 8, "second": 31}
